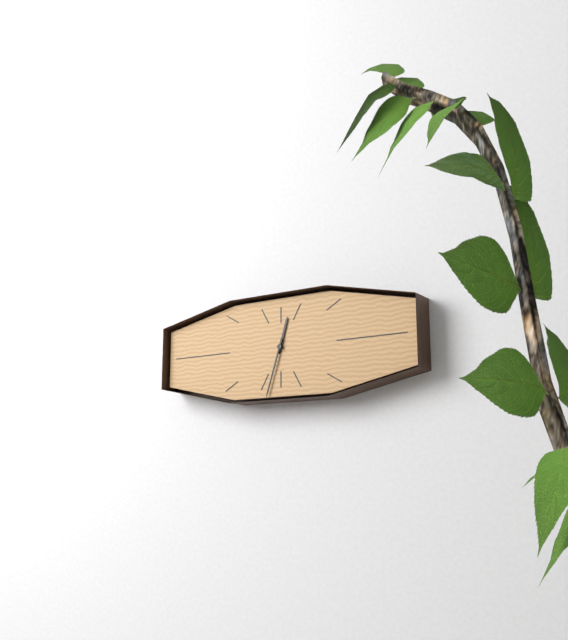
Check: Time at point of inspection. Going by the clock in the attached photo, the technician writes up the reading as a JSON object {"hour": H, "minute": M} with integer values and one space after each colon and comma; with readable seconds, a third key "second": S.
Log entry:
{"hour": 12, "minute": 33}
